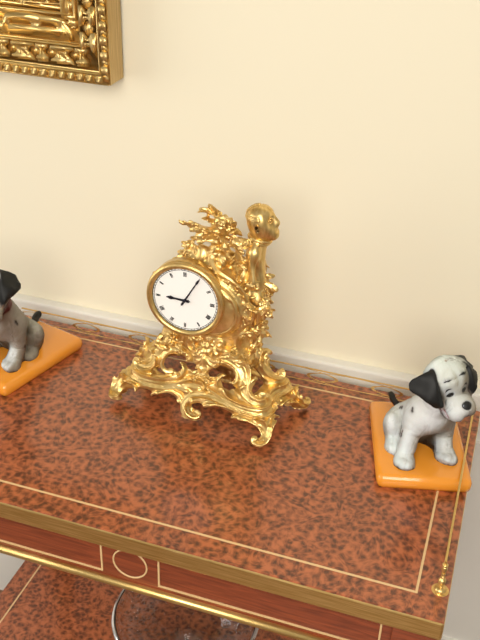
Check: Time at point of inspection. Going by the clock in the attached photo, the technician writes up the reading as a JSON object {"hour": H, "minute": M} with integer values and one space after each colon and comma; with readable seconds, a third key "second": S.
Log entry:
{"hour": 9, "minute": 5}
